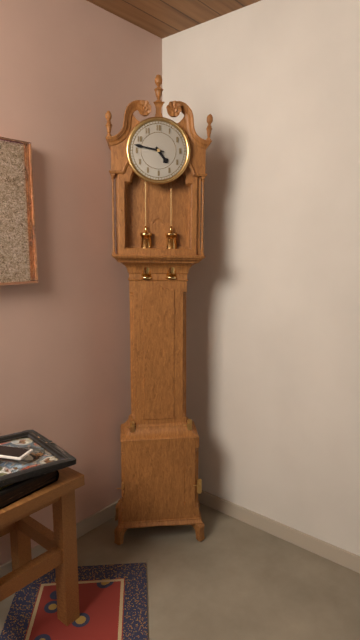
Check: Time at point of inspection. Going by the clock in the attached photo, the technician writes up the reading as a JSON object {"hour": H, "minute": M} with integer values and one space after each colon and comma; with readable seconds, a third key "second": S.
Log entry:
{"hour": 4, "minute": 47}
